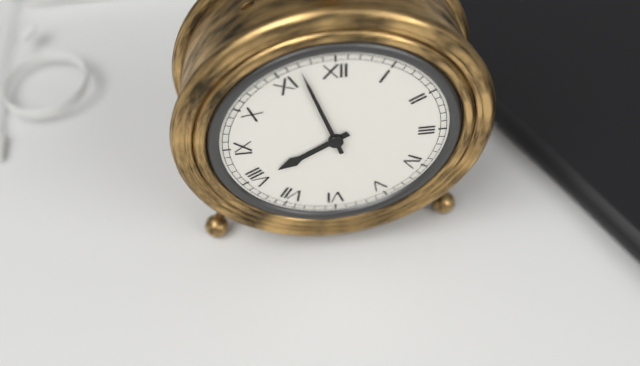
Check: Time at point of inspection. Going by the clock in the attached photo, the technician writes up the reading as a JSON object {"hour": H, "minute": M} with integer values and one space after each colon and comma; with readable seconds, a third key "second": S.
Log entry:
{"hour": 7, "minute": 57}
